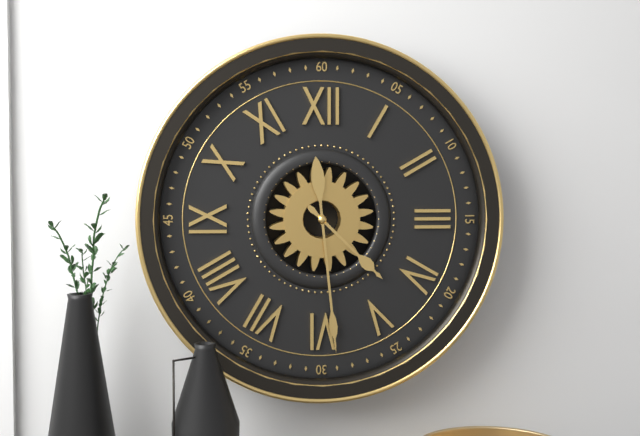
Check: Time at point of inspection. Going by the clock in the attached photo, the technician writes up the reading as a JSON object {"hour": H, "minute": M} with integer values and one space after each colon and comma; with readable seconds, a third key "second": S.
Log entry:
{"hour": 4, "minute": 29}
